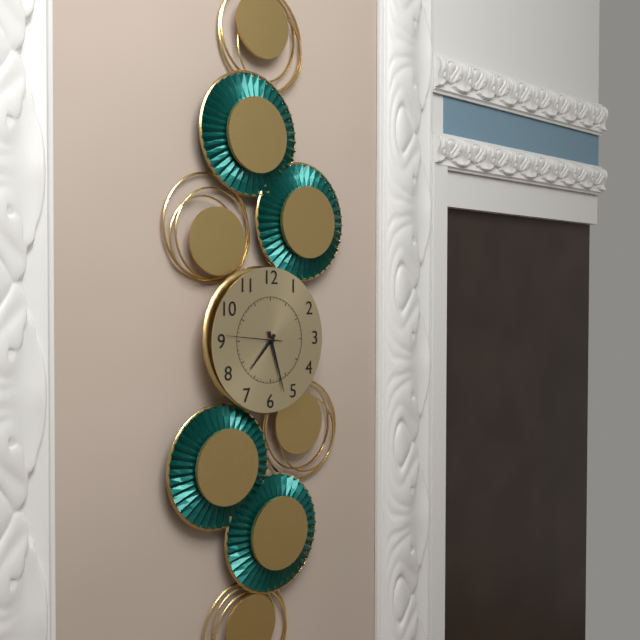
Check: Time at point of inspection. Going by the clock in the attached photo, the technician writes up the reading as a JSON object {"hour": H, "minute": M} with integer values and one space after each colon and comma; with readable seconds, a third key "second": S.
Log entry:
{"hour": 7, "minute": 27, "second": 46}
